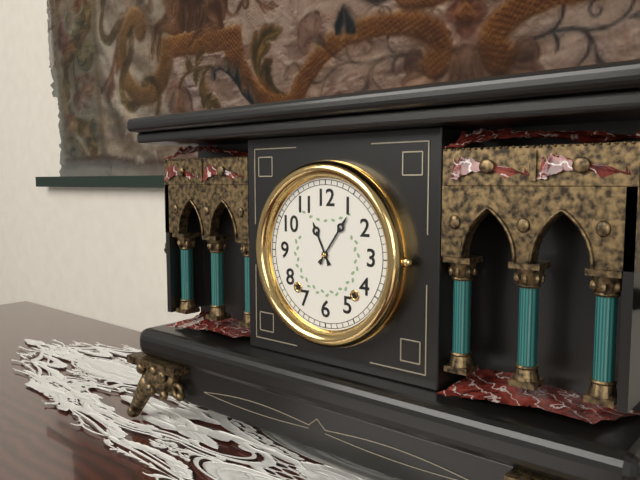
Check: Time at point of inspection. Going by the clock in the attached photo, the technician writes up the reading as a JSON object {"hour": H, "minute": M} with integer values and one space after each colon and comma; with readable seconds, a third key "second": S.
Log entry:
{"hour": 11, "minute": 6}
